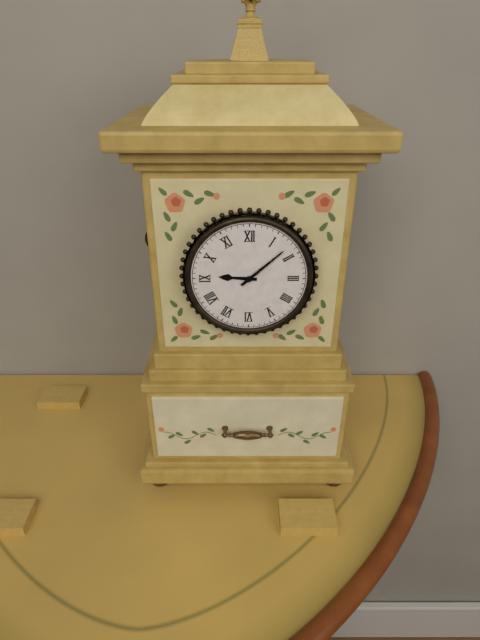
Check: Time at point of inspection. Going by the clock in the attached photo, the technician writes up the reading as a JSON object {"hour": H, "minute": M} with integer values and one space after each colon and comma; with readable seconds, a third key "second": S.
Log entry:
{"hour": 9, "minute": 8}
